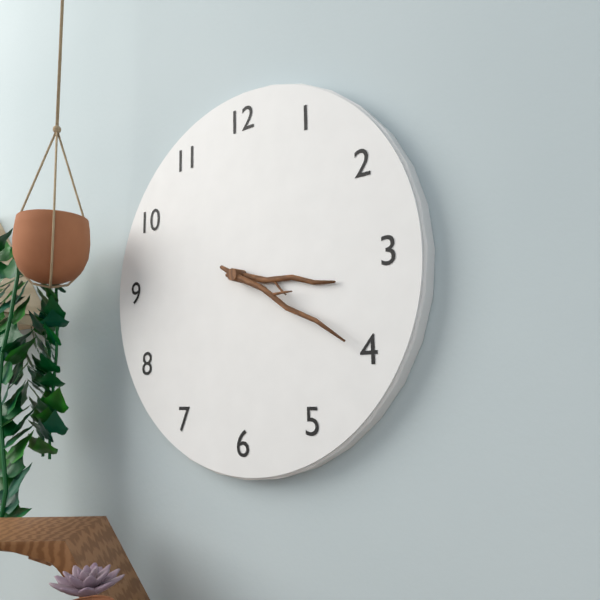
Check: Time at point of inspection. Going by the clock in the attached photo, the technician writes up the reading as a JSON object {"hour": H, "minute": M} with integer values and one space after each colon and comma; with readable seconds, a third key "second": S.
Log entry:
{"hour": 3, "minute": 20}
